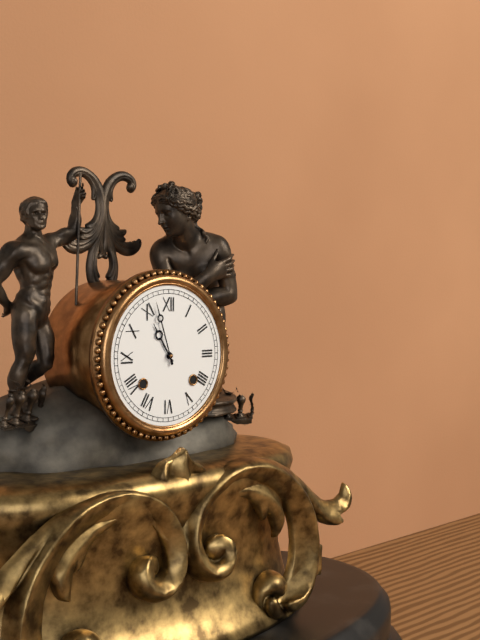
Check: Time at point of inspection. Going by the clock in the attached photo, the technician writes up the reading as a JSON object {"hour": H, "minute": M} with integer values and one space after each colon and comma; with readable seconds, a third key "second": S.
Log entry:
{"hour": 10, "minute": 57}
